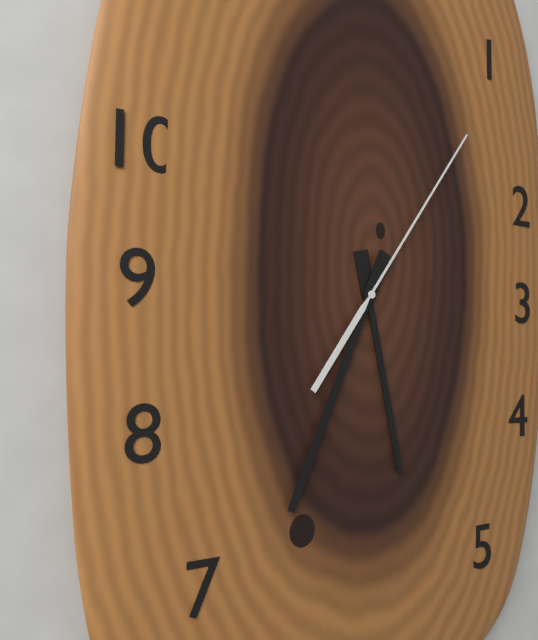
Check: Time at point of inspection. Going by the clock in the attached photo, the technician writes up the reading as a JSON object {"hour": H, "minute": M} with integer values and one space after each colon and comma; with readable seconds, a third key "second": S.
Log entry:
{"hour": 5, "minute": 34, "second": 6}
